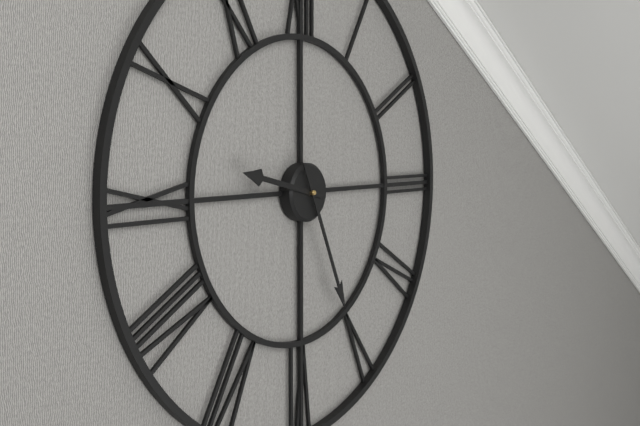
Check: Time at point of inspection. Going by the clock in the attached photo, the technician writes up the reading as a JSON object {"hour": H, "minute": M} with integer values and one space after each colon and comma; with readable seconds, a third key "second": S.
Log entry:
{"hour": 9, "minute": 26}
